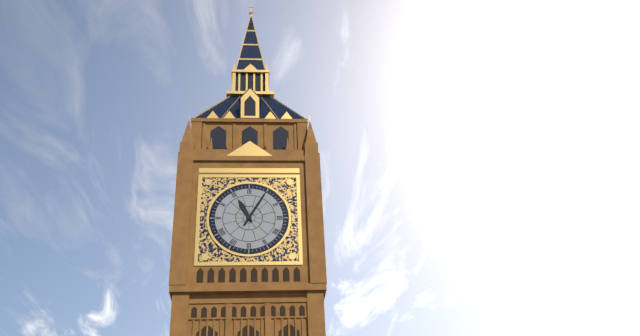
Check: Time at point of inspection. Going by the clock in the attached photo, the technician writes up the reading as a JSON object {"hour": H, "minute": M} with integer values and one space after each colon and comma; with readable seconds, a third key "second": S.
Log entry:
{"hour": 11, "minute": 5}
